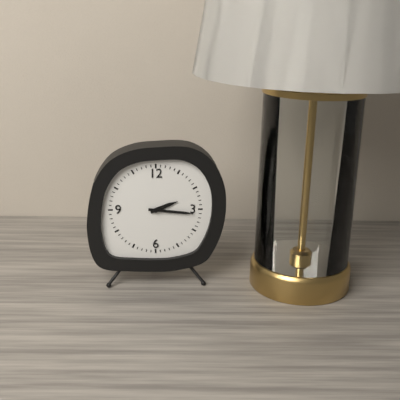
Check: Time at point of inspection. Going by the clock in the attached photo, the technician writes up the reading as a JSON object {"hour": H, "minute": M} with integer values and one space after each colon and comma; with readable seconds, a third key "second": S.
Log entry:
{"hour": 2, "minute": 16}
